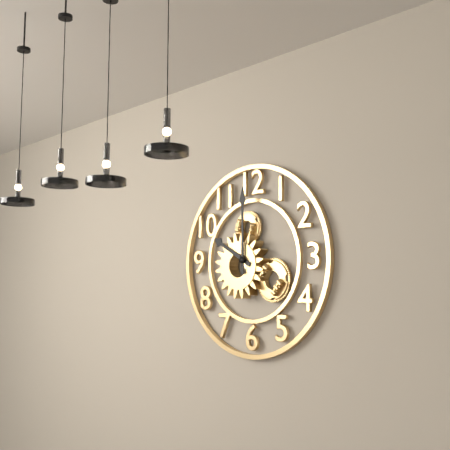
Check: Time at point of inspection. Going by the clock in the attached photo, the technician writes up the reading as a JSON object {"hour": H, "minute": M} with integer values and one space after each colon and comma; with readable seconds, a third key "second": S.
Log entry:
{"hour": 10, "minute": 0}
